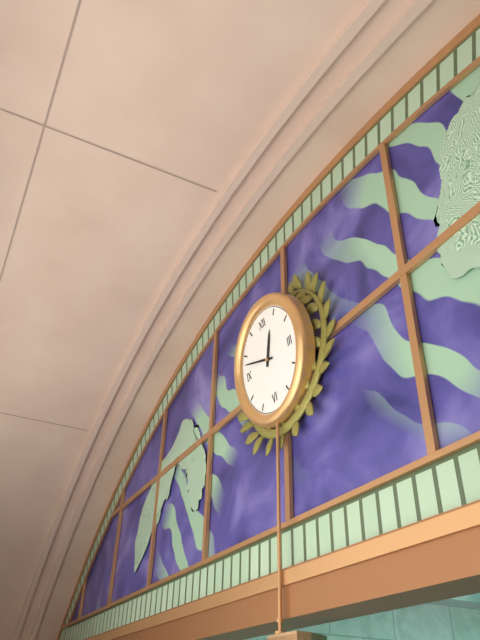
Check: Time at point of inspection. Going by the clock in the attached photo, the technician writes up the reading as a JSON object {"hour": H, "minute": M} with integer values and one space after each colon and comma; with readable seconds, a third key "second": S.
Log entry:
{"hour": 12, "minute": 48}
